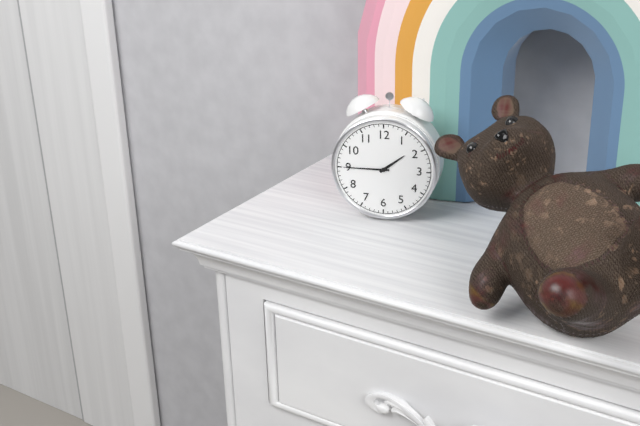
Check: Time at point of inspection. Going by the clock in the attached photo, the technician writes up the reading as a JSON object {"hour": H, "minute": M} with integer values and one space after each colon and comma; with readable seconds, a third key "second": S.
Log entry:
{"hour": 1, "minute": 45}
